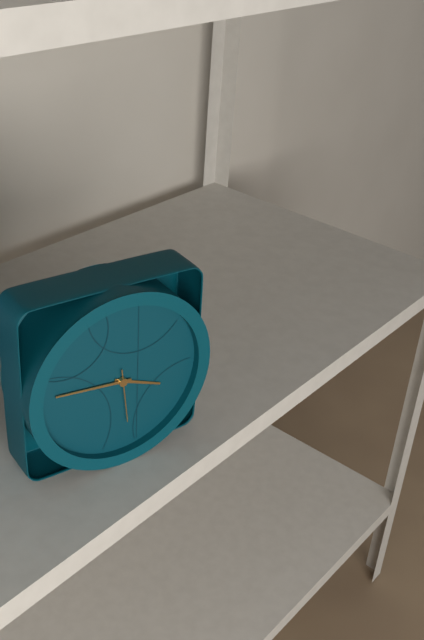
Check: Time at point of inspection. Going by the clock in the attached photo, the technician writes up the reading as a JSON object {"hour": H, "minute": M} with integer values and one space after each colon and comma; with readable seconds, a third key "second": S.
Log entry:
{"hour": 3, "minute": 46}
